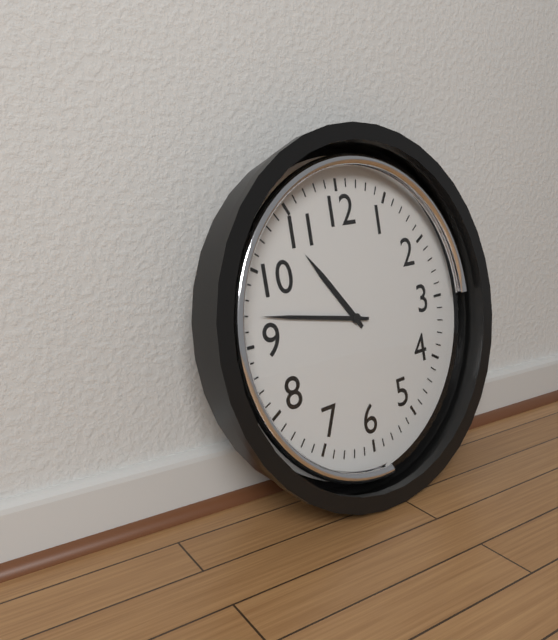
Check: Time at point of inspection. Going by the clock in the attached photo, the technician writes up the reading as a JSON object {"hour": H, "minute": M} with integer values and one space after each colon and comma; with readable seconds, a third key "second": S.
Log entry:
{"hour": 10, "minute": 47}
